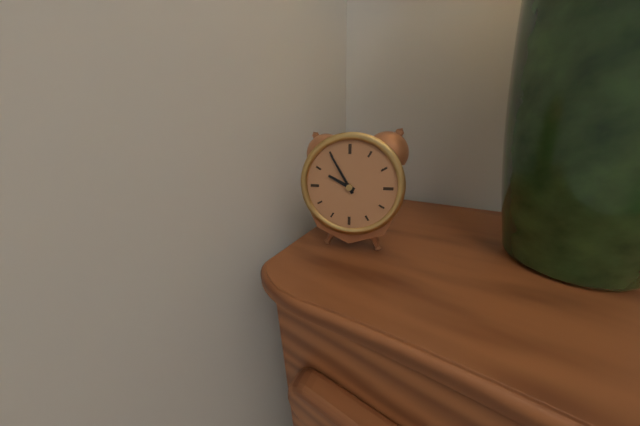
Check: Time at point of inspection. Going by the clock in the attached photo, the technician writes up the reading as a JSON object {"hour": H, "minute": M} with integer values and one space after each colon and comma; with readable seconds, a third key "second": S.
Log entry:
{"hour": 9, "minute": 55}
